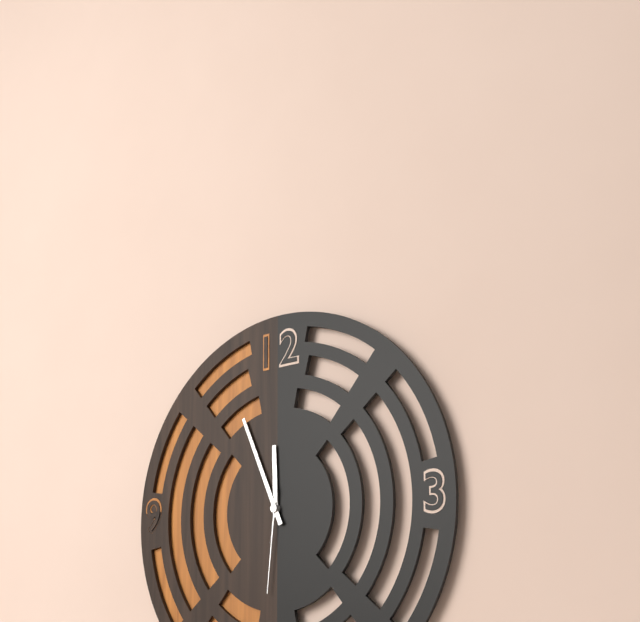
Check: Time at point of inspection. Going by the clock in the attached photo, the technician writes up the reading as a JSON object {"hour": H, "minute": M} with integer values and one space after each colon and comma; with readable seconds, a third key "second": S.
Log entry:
{"hour": 11, "minute": 56, "second": 31}
